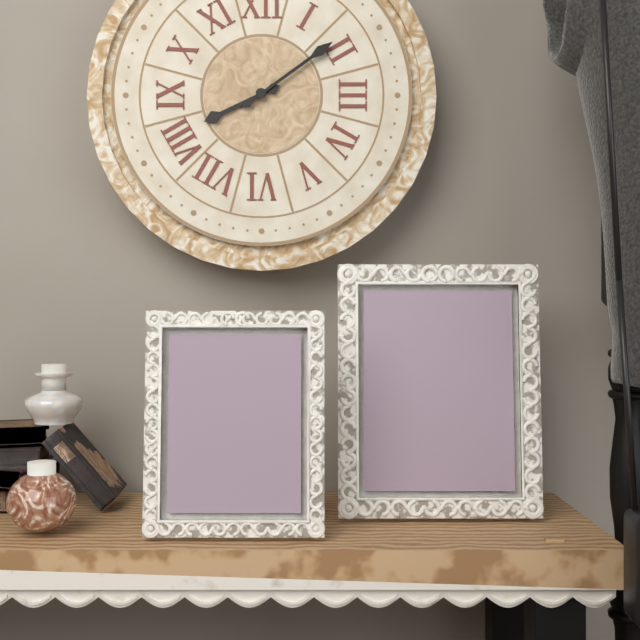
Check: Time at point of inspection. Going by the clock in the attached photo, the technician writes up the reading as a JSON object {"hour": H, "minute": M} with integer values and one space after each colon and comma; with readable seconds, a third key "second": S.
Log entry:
{"hour": 8, "minute": 9}
